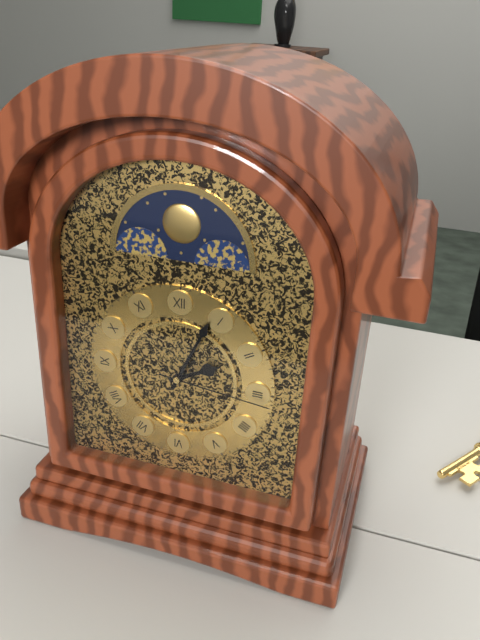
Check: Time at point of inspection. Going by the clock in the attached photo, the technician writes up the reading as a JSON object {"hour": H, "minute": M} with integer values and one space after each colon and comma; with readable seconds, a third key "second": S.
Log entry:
{"hour": 2, "minute": 4, "second": 16}
